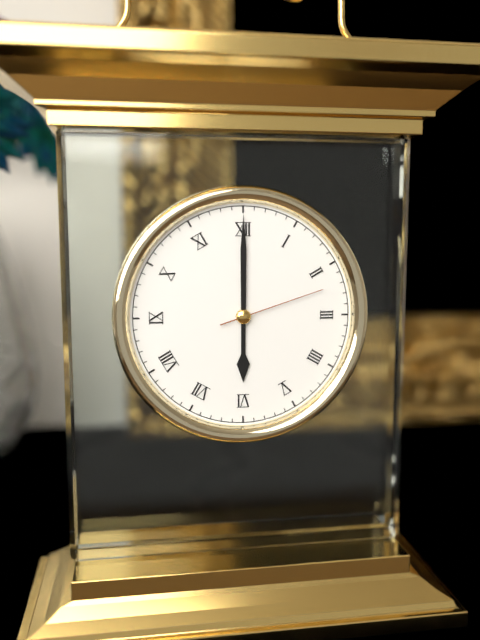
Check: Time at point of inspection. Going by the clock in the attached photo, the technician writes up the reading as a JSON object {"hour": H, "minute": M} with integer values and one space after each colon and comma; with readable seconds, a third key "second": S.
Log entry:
{"hour": 6, "minute": 0, "second": 12}
